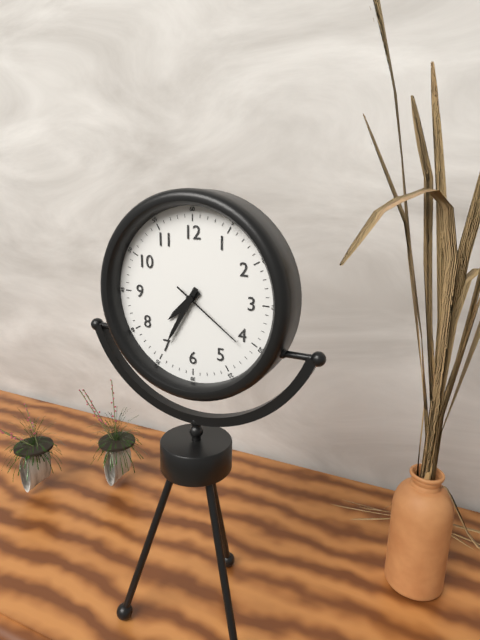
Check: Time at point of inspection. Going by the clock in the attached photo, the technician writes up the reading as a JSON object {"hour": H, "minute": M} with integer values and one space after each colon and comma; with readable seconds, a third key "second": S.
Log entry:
{"hour": 7, "minute": 35, "second": 21}
